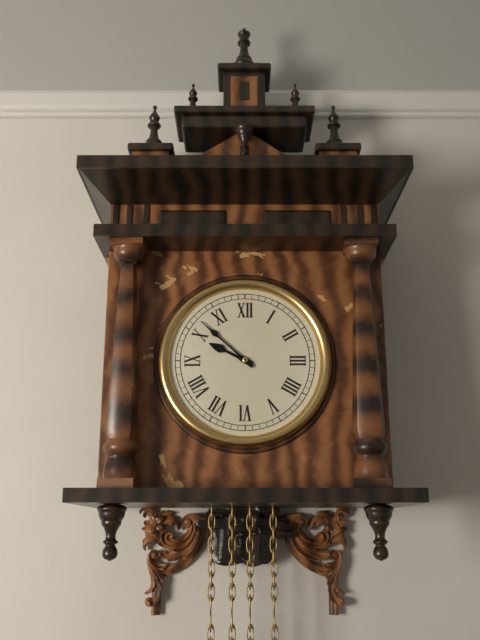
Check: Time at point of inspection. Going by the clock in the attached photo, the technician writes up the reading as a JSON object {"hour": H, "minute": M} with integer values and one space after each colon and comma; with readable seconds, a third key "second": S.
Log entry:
{"hour": 9, "minute": 52}
